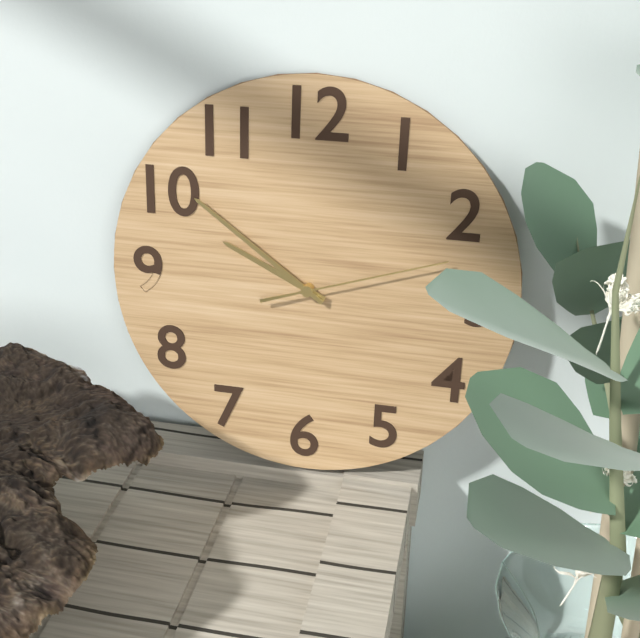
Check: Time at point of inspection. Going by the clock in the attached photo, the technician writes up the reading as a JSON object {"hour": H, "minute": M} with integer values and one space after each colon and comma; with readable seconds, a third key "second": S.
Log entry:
{"hour": 9, "minute": 51, "second": 12}
